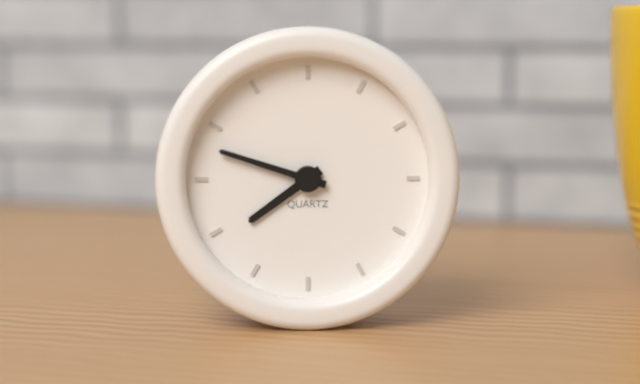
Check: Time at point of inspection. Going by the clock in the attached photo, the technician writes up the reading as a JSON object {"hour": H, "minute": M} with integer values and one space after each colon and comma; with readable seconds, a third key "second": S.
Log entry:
{"hour": 7, "minute": 48}
